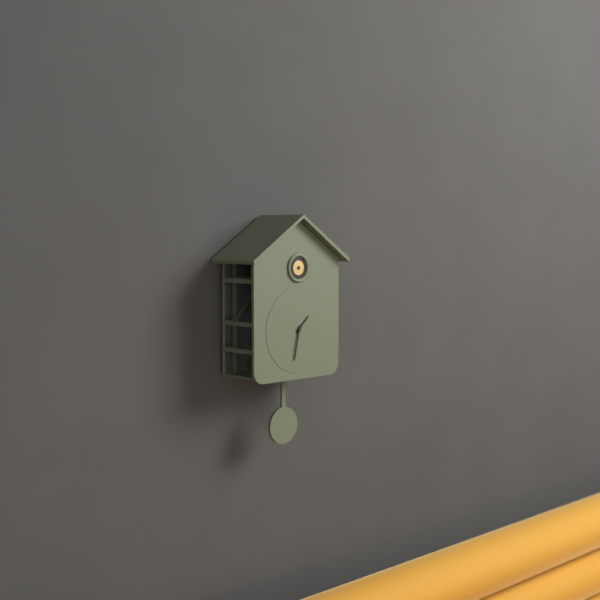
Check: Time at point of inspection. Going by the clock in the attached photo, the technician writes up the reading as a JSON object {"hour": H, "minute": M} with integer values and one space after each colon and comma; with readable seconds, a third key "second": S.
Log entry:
{"hour": 1, "minute": 32}
